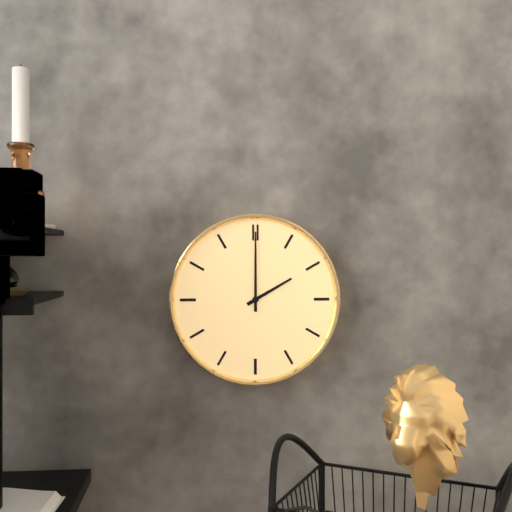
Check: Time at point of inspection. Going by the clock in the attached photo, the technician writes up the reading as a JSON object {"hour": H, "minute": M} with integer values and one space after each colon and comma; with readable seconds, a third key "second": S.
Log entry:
{"hour": 2, "minute": 0}
